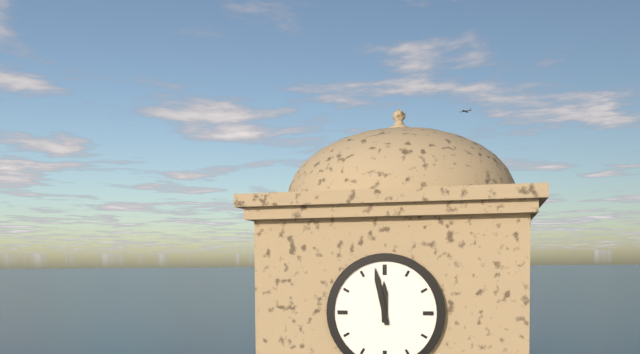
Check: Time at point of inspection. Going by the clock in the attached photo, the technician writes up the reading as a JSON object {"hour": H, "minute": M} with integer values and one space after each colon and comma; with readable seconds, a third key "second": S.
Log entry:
{"hour": 11, "minute": 58}
